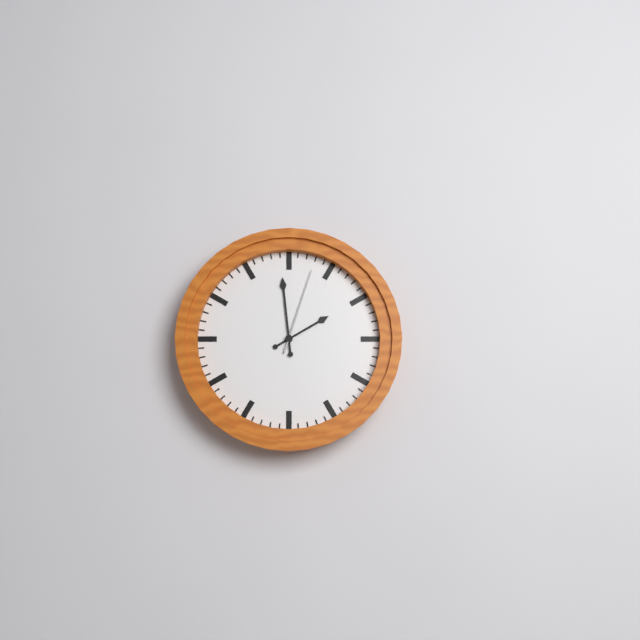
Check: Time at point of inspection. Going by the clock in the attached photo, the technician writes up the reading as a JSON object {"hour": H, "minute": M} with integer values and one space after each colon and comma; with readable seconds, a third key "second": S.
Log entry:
{"hour": 1, "minute": 59, "second": 3}
